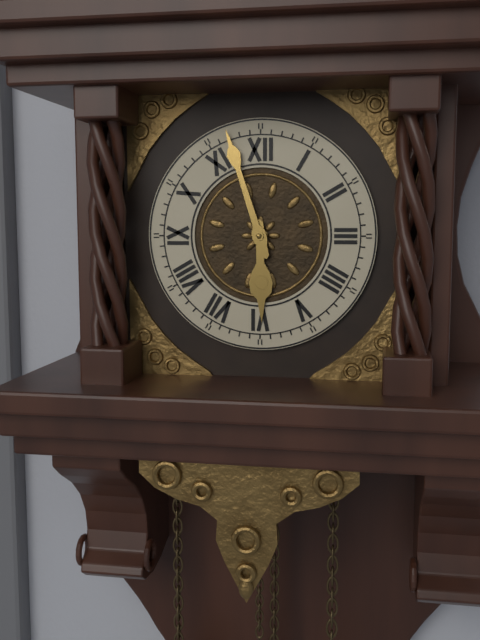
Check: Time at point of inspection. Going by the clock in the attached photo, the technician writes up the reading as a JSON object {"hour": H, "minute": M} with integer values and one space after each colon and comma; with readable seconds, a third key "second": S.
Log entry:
{"hour": 5, "minute": 57}
